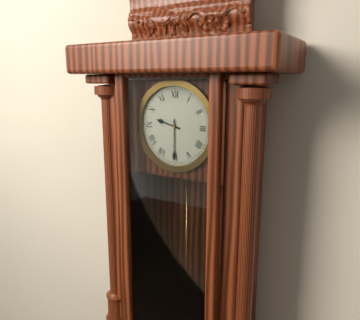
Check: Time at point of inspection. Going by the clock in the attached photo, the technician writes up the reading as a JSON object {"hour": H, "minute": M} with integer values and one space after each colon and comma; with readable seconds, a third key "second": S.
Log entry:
{"hour": 9, "minute": 30}
